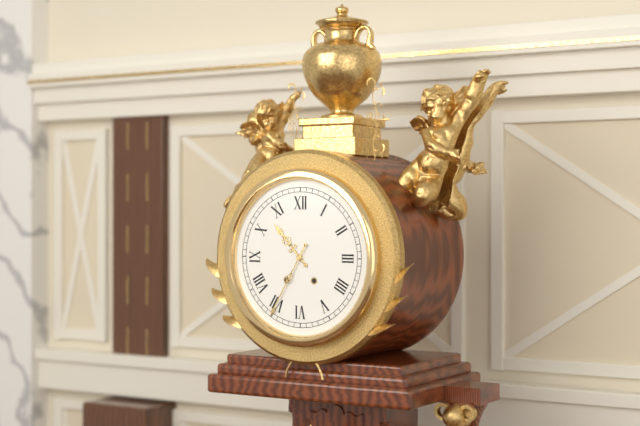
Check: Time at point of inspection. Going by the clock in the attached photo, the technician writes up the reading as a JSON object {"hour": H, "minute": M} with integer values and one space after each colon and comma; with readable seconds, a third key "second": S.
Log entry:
{"hour": 10, "minute": 35}
